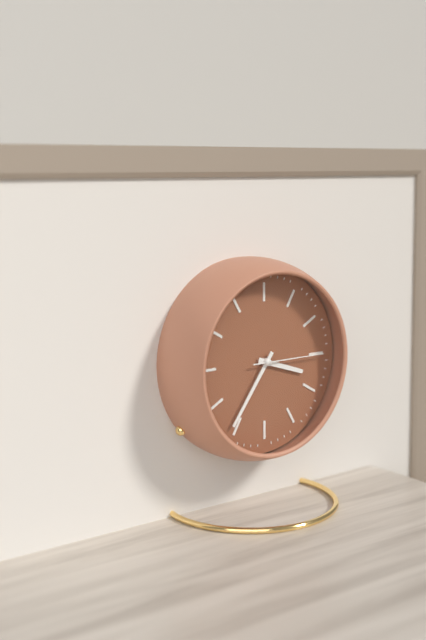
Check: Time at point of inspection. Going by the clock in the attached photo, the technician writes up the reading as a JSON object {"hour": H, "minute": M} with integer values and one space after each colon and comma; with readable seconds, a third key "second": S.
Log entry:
{"hour": 3, "minute": 36, "second": 15}
